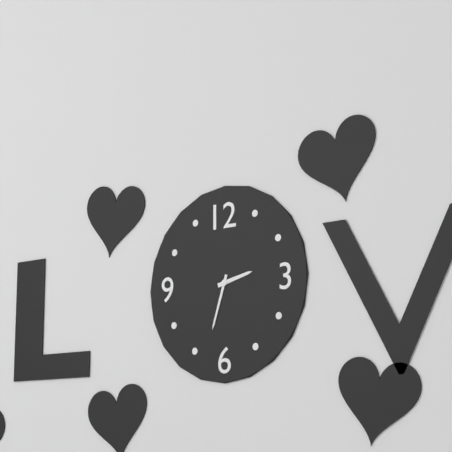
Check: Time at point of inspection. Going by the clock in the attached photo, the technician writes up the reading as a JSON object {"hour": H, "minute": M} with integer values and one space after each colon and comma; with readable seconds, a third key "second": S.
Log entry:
{"hour": 2, "minute": 33}
